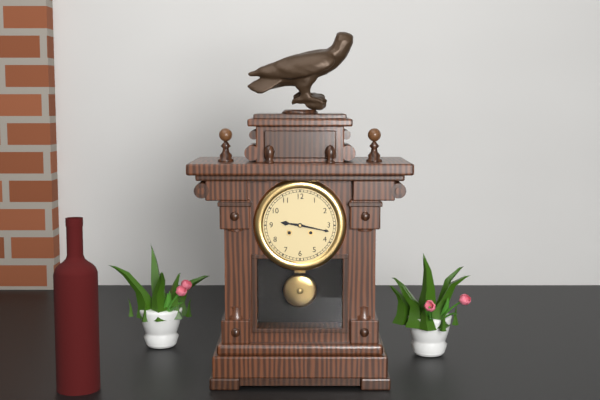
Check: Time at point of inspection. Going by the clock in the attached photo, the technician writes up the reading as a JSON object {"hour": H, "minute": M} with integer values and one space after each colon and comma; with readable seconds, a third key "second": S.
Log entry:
{"hour": 9, "minute": 17}
